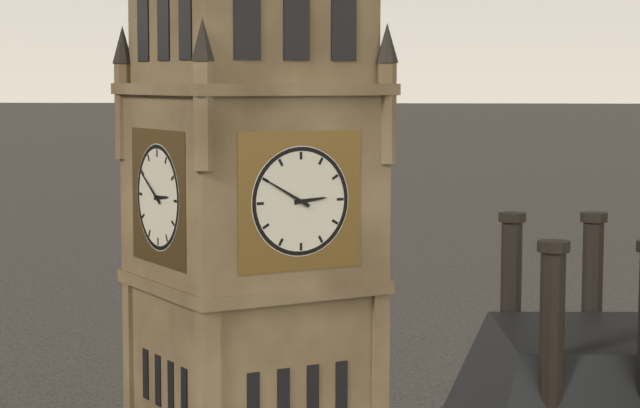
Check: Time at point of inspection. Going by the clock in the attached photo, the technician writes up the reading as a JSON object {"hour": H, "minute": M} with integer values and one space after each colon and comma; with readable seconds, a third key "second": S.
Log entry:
{"hour": 2, "minute": 50}
